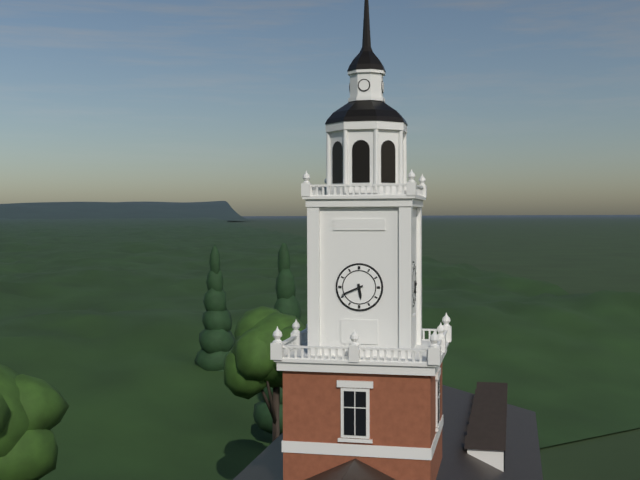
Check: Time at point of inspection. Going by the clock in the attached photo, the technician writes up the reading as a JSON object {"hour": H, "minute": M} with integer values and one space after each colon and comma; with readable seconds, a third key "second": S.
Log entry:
{"hour": 5, "minute": 41}
